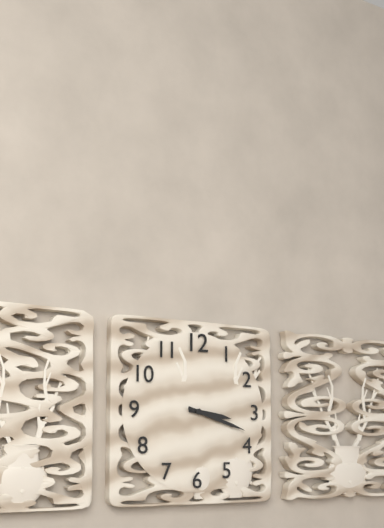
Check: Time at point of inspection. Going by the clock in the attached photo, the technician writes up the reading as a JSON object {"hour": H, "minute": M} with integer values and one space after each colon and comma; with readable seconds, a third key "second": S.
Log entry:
{"hour": 3, "minute": 18}
